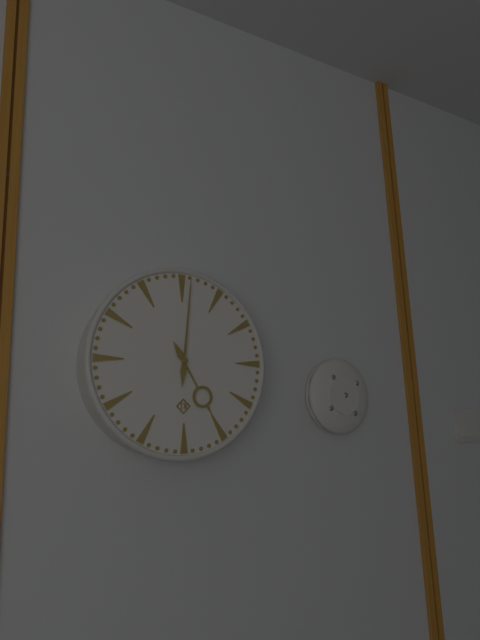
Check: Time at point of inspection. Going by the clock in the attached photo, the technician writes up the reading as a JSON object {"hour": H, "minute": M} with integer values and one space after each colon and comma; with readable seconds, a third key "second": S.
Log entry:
{"hour": 5, "minute": 1}
